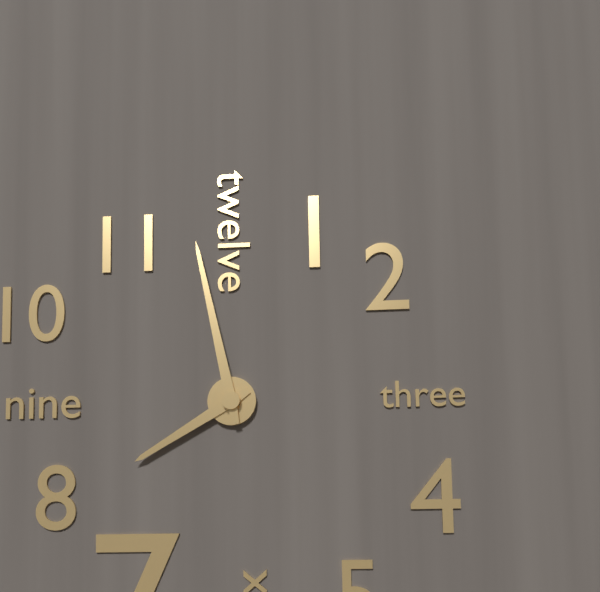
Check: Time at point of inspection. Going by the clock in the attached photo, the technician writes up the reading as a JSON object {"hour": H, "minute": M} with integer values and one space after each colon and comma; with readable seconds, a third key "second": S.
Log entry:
{"hour": 7, "minute": 58}
